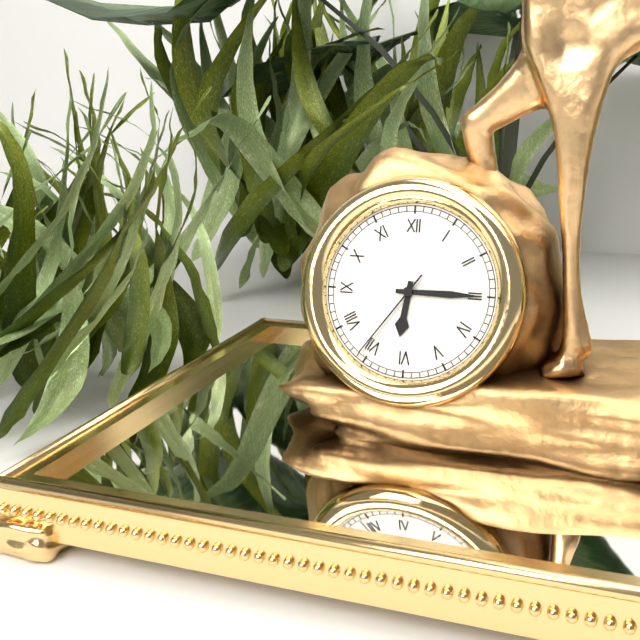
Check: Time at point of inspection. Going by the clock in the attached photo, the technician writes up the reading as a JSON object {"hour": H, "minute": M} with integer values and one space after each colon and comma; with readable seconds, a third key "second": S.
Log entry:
{"hour": 6, "minute": 15, "second": 36}
